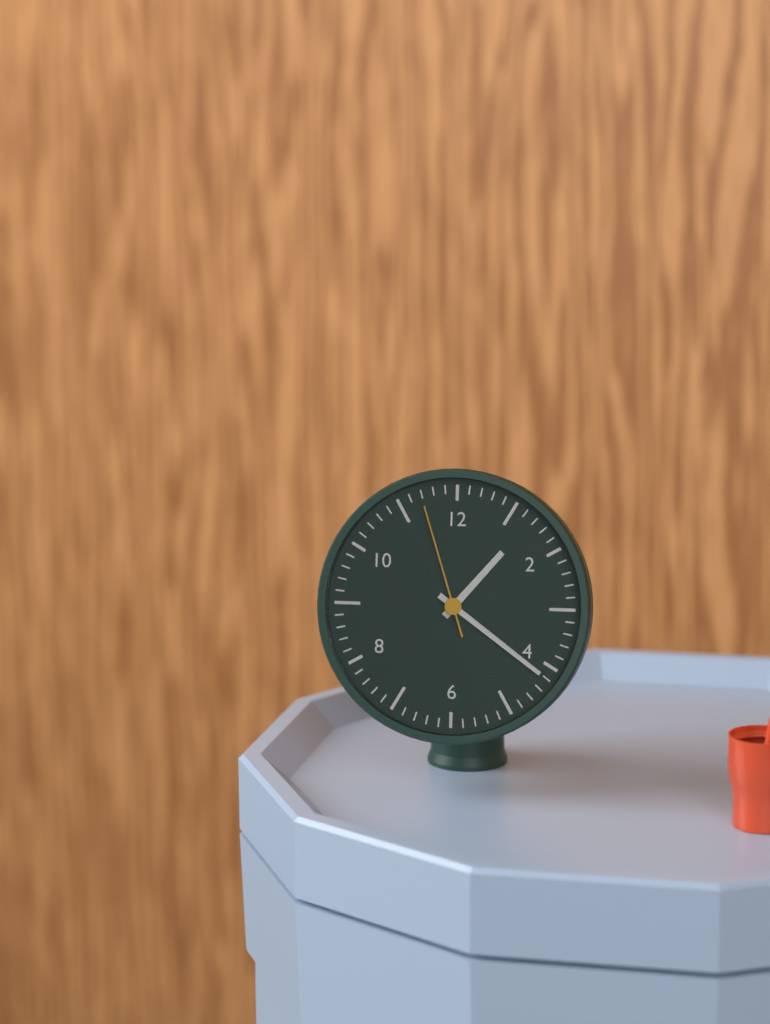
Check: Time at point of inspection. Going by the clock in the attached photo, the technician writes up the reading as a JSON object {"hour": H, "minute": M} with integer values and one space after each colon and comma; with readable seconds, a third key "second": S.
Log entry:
{"hour": 1, "minute": 21, "second": 57}
